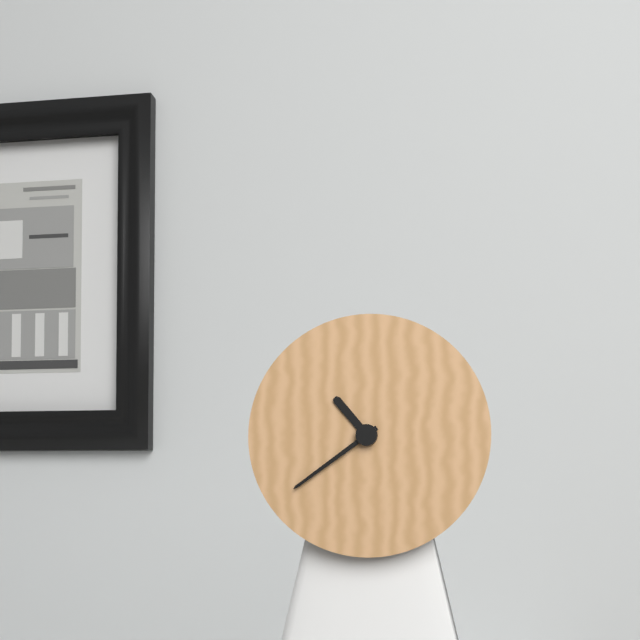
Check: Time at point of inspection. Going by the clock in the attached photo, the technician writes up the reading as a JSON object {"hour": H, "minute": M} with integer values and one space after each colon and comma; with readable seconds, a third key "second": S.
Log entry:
{"hour": 10, "minute": 39}
